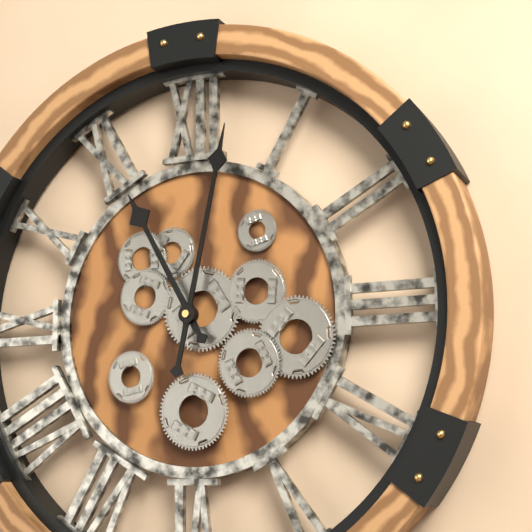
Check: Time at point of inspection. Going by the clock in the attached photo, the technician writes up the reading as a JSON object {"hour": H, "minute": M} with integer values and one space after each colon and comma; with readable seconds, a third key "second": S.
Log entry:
{"hour": 11, "minute": 2}
